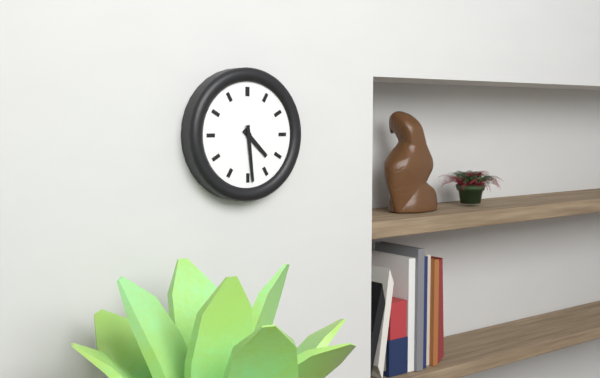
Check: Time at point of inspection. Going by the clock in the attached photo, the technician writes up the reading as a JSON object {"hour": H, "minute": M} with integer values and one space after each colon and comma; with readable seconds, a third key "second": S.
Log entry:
{"hour": 4, "minute": 29}
